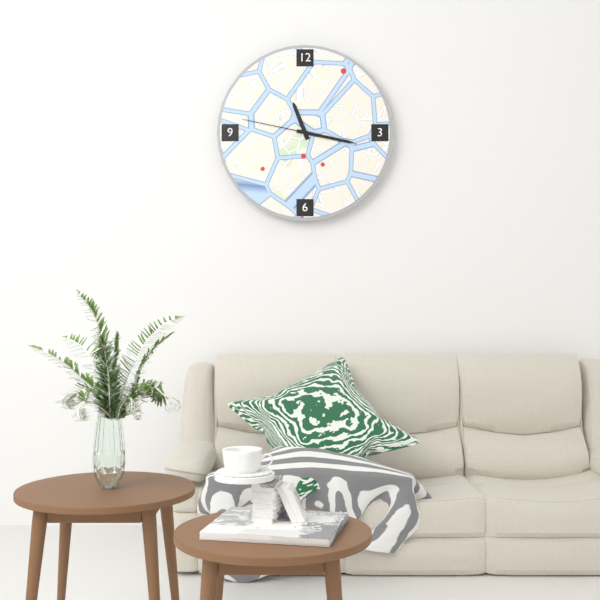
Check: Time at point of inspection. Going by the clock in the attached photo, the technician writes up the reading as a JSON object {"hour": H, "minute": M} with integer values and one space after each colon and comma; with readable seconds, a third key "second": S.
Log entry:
{"hour": 11, "minute": 17, "second": 47}
